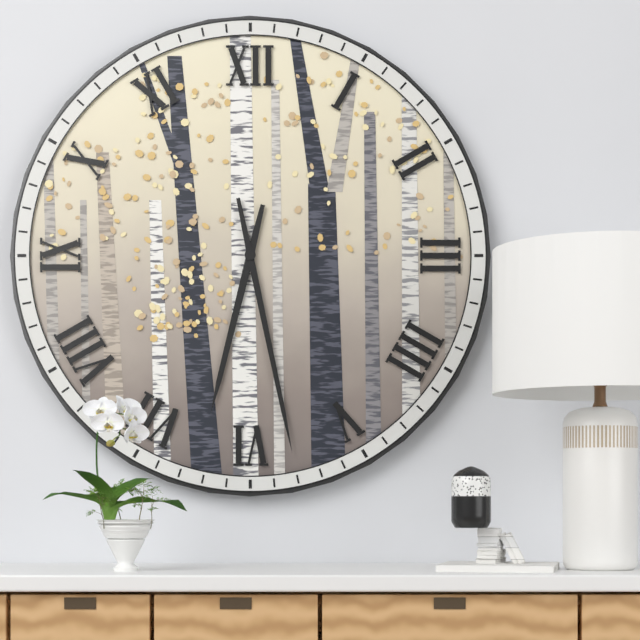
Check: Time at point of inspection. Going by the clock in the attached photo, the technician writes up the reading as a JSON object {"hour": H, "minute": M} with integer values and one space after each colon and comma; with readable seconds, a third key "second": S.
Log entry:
{"hour": 6, "minute": 28}
